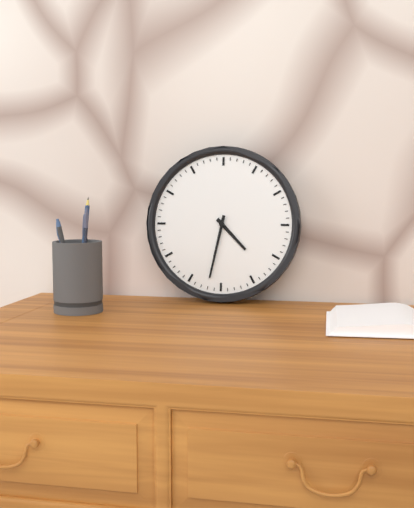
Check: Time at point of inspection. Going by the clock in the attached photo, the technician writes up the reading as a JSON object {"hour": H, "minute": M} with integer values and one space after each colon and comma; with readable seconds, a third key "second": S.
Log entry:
{"hour": 4, "minute": 32}
